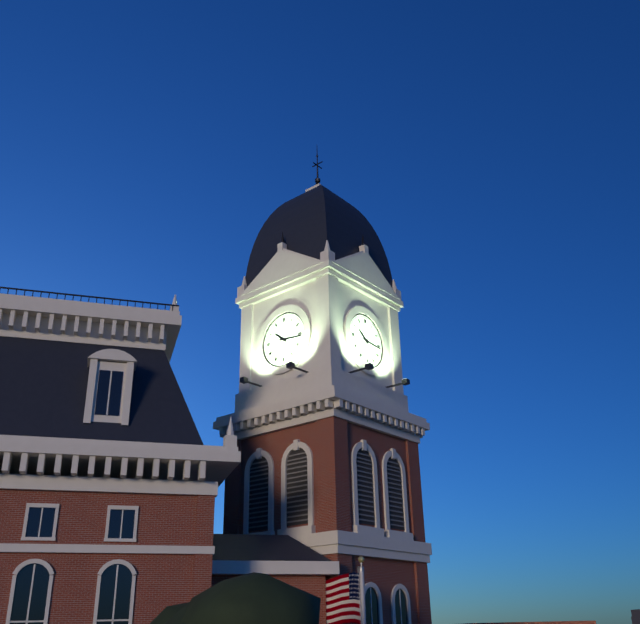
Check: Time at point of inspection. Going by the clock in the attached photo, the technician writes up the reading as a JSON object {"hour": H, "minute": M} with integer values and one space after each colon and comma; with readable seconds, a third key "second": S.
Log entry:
{"hour": 10, "minute": 16}
